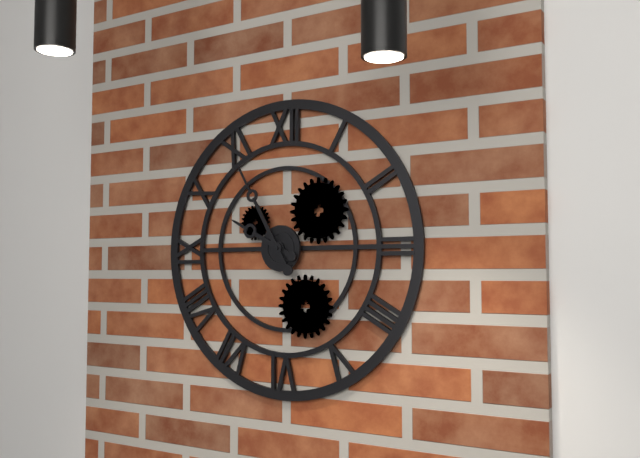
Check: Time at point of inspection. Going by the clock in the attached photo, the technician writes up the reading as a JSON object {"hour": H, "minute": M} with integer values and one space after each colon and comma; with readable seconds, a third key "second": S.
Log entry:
{"hour": 9, "minute": 55}
